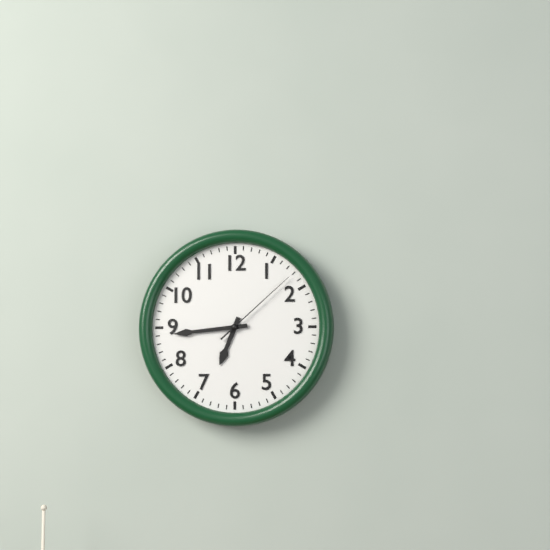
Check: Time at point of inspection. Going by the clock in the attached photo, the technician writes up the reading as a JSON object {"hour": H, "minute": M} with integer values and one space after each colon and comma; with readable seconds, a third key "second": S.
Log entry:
{"hour": 6, "minute": 44, "second": 8}
